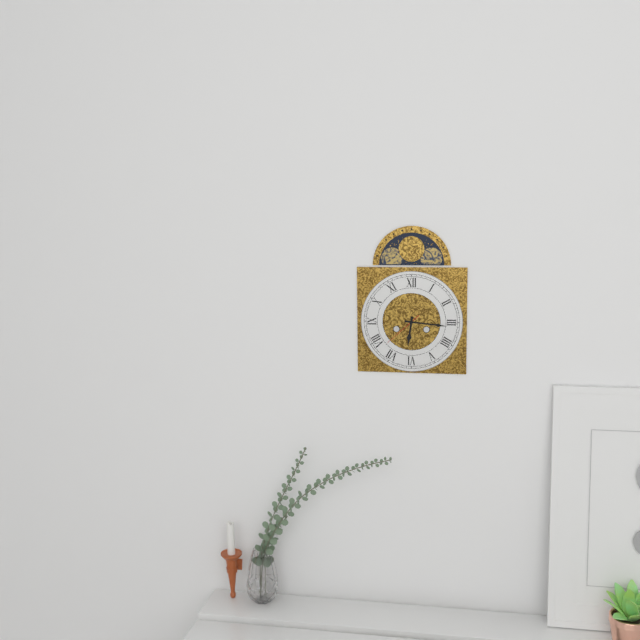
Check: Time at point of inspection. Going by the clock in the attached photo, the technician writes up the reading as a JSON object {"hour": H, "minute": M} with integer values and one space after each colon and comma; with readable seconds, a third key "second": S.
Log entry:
{"hour": 6, "minute": 16}
